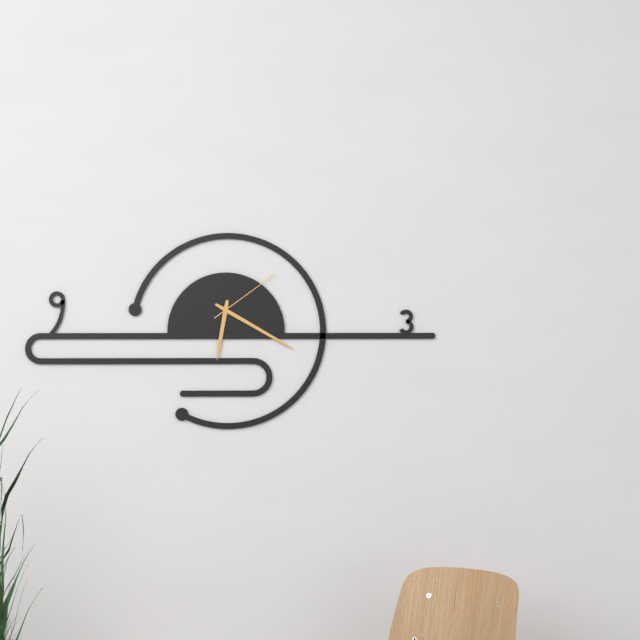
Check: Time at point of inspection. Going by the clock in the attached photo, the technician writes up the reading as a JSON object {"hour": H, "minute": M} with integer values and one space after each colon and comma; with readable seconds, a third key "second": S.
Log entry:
{"hour": 6, "minute": 20, "second": 9}
